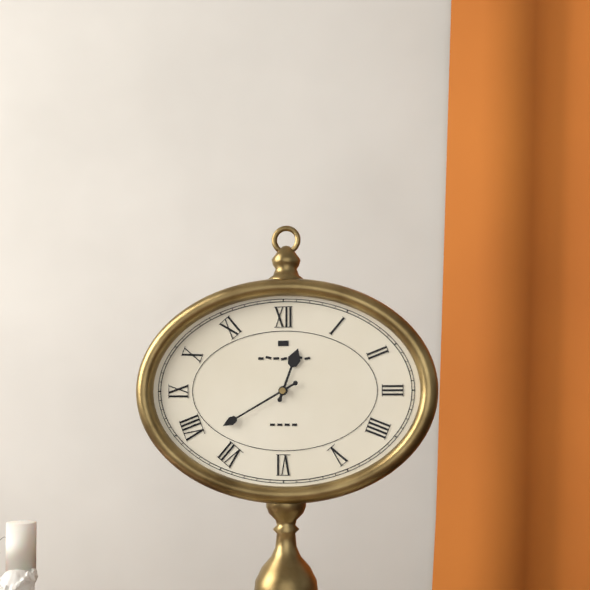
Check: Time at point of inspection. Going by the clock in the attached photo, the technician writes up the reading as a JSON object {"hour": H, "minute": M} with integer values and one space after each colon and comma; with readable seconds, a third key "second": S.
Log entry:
{"hour": 12, "minute": 40}
